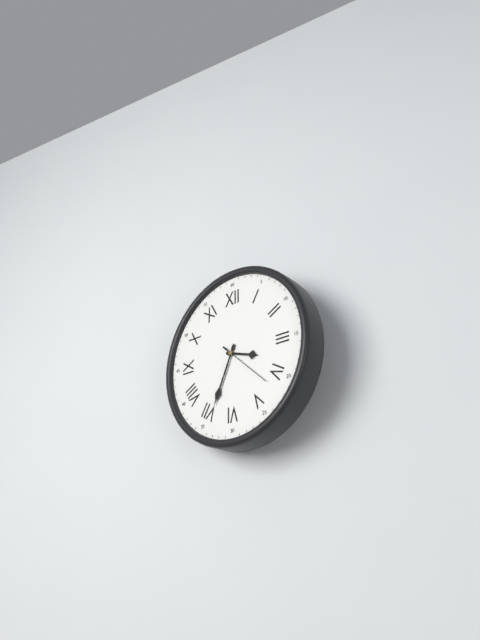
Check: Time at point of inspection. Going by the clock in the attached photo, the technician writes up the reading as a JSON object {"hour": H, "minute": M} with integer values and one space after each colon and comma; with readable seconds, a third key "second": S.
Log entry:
{"hour": 3, "minute": 34, "second": 22}
